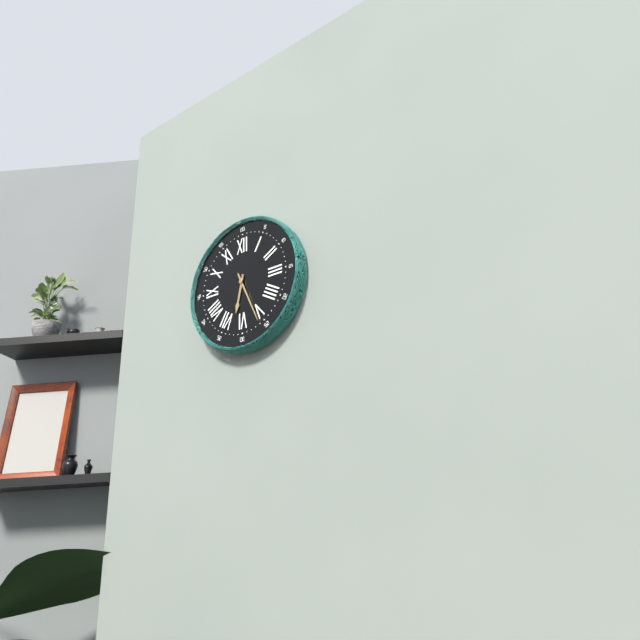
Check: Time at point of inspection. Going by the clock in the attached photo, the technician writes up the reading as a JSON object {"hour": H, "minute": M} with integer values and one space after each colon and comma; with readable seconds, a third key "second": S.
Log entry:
{"hour": 6, "minute": 26}
